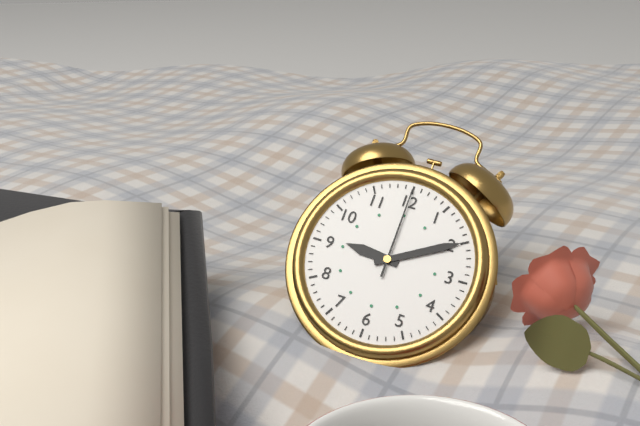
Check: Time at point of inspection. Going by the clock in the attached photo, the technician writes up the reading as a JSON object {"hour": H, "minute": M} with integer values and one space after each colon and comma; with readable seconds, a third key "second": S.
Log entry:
{"hour": 9, "minute": 10, "second": 0}
